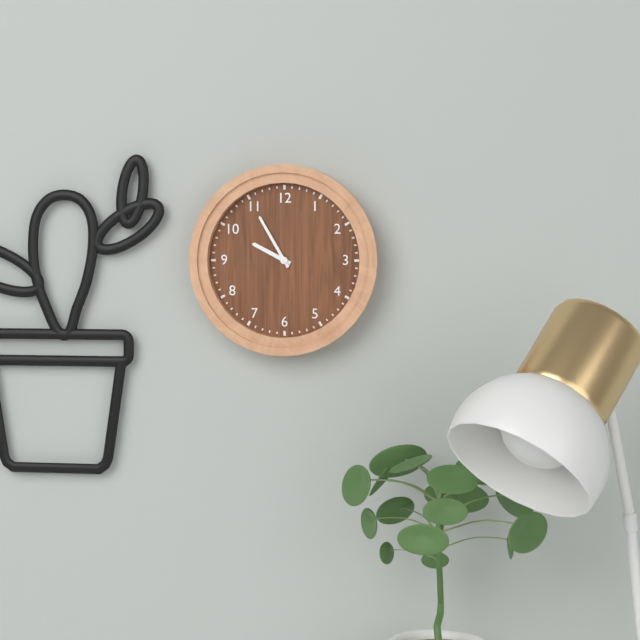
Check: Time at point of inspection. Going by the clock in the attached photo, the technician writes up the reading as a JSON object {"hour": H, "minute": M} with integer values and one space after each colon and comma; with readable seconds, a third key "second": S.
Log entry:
{"hour": 9, "minute": 55}
